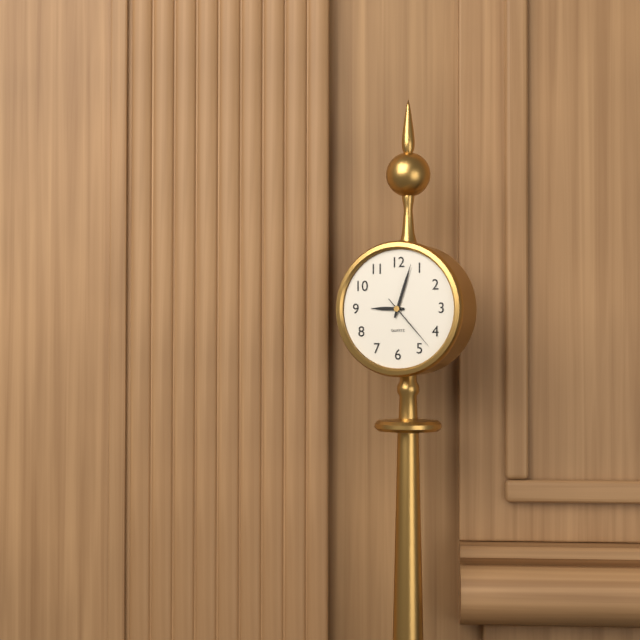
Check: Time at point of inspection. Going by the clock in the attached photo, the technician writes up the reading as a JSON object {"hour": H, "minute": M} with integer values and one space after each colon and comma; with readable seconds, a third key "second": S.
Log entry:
{"hour": 9, "minute": 3, "second": 23}
